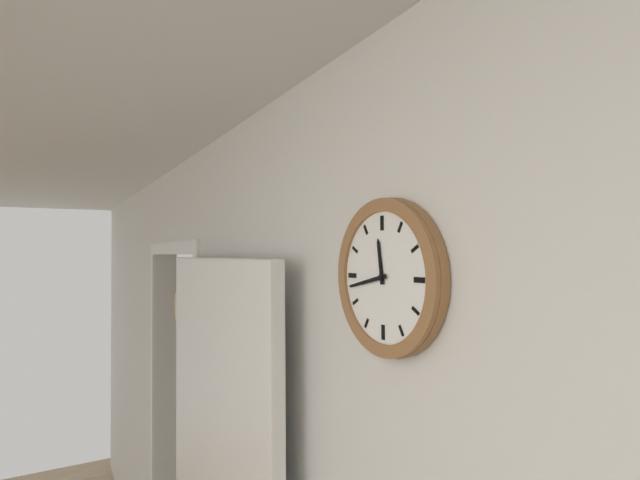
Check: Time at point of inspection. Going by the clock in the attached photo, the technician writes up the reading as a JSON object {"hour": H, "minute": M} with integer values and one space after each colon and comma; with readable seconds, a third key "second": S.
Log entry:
{"hour": 11, "minute": 43}
